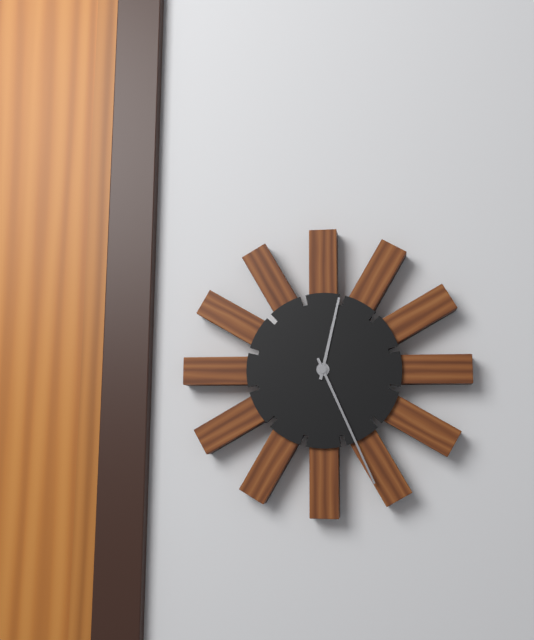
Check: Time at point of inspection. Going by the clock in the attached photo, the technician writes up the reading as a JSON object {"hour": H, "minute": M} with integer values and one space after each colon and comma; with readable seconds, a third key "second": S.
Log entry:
{"hour": 12, "minute": 26}
